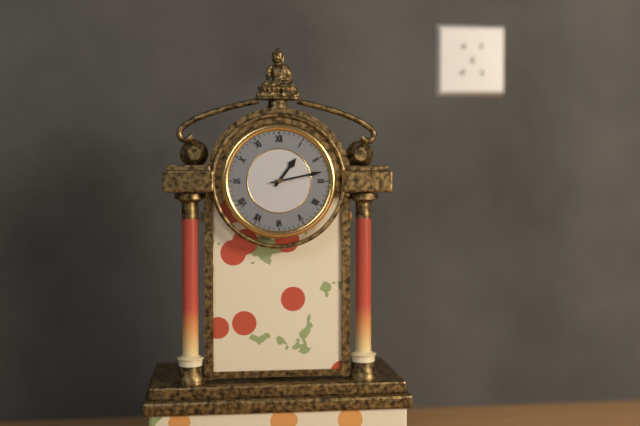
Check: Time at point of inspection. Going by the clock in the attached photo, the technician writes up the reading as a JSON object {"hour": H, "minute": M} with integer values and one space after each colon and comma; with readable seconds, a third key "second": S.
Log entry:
{"hour": 1, "minute": 13}
